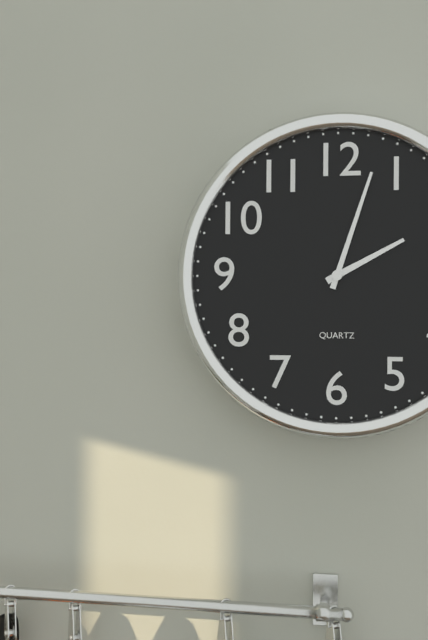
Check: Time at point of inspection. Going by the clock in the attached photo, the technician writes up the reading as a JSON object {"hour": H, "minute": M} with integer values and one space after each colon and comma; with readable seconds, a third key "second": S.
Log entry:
{"hour": 2, "minute": 3}
